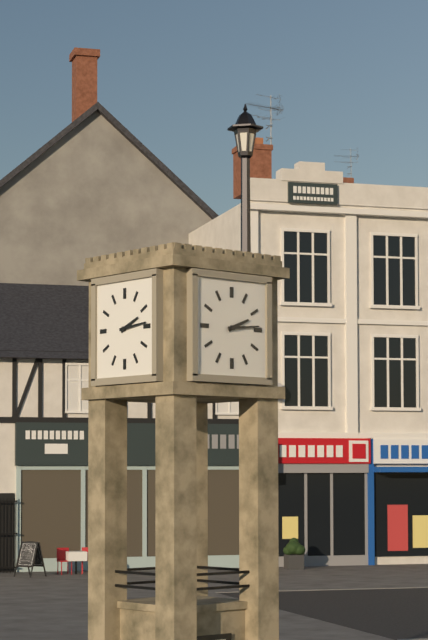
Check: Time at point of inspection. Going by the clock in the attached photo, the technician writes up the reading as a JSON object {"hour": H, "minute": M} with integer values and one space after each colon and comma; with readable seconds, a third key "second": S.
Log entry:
{"hour": 2, "minute": 14}
